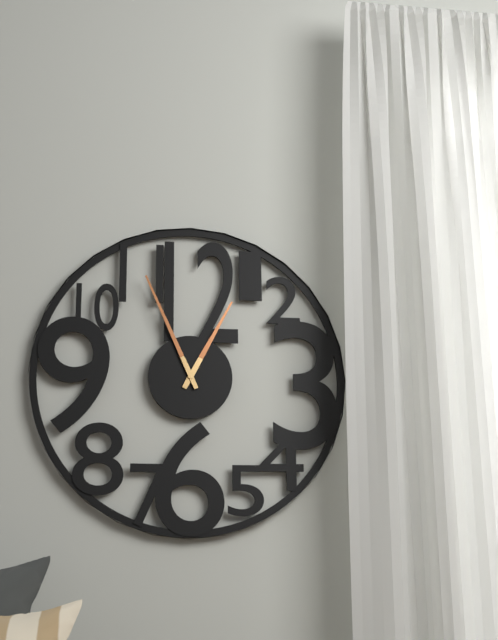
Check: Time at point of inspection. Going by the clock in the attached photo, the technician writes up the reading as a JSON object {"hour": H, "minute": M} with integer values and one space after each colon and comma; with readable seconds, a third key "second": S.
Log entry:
{"hour": 12, "minute": 56}
